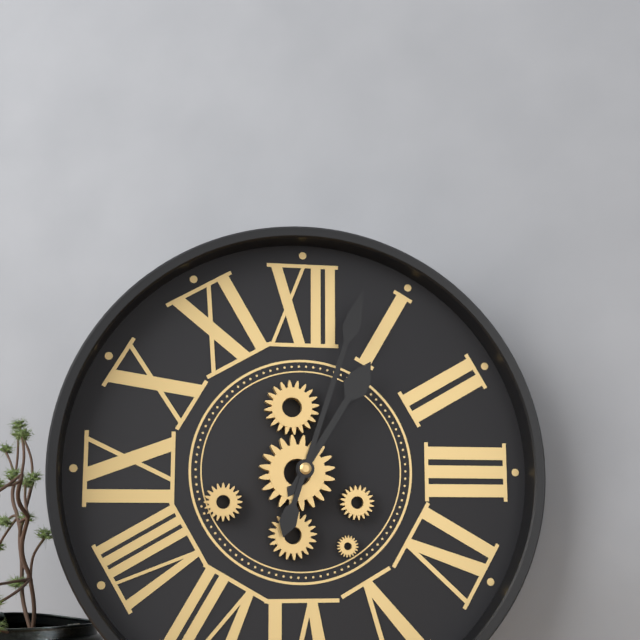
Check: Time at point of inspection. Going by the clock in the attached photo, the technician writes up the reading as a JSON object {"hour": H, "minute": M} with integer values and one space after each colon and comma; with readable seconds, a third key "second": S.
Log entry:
{"hour": 1, "minute": 3}
